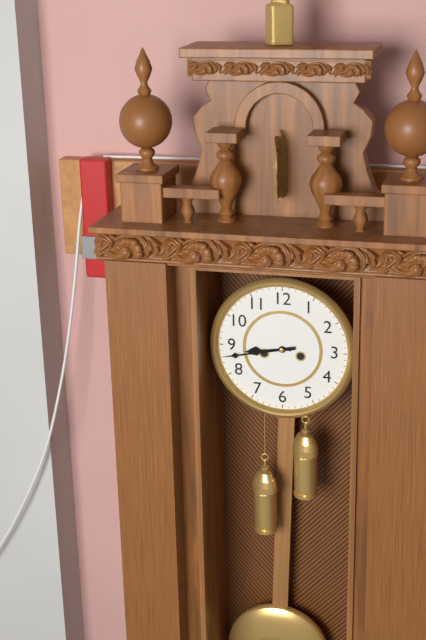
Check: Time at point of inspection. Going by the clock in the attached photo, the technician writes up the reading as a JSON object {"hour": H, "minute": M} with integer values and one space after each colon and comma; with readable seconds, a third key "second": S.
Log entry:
{"hour": 8, "minute": 43}
